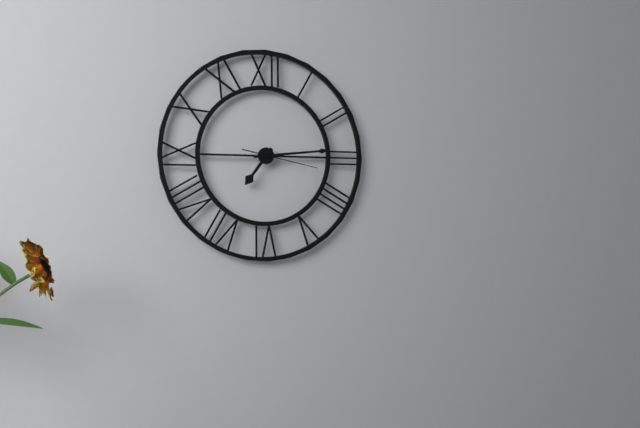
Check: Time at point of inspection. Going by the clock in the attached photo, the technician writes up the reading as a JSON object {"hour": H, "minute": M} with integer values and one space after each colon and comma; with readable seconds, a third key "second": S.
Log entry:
{"hour": 7, "minute": 14, "second": 17}
